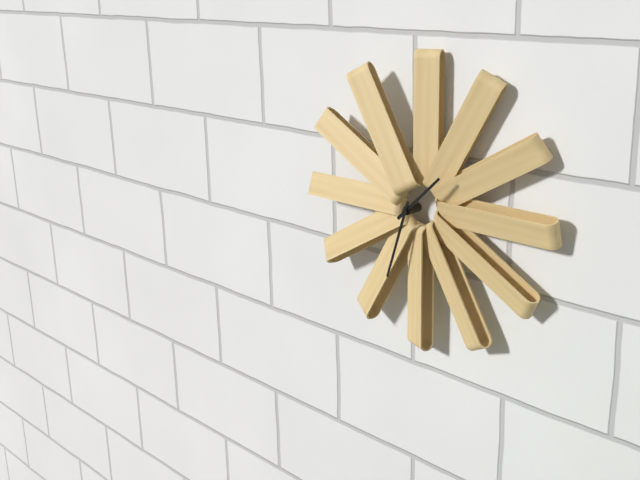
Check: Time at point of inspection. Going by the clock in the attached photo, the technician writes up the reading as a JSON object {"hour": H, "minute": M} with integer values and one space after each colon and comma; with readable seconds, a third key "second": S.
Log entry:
{"hour": 1, "minute": 33}
